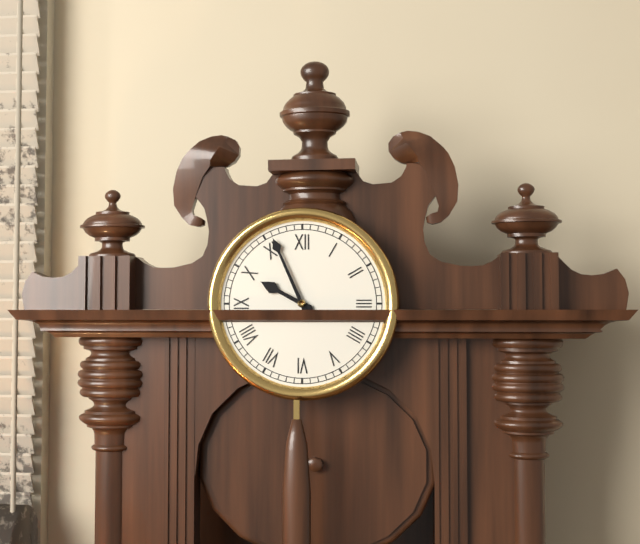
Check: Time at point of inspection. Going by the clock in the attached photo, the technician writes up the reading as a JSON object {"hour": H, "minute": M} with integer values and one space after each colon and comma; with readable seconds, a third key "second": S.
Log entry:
{"hour": 9, "minute": 56}
